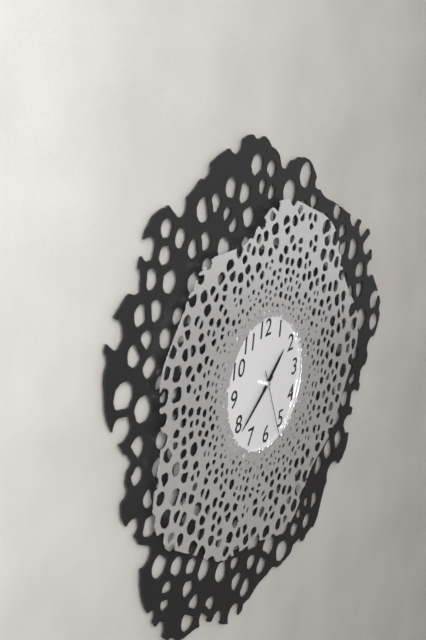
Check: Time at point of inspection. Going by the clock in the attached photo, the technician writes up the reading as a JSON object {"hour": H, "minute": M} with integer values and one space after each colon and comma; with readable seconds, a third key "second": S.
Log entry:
{"hour": 1, "minute": 39, "second": 27}
